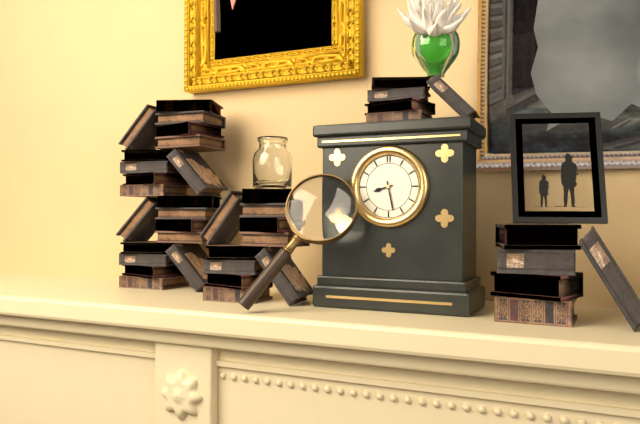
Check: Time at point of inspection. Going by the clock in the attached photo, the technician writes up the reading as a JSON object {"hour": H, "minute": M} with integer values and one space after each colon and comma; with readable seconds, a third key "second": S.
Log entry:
{"hour": 8, "minute": 28}
